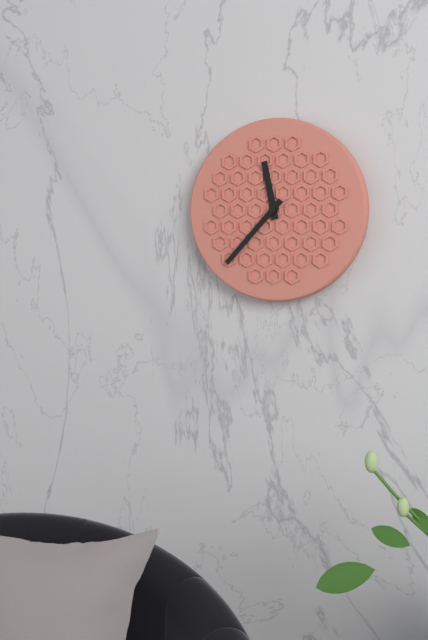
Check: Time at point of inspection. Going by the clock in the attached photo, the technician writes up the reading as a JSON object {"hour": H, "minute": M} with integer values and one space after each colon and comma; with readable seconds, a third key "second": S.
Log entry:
{"hour": 11, "minute": 37}
